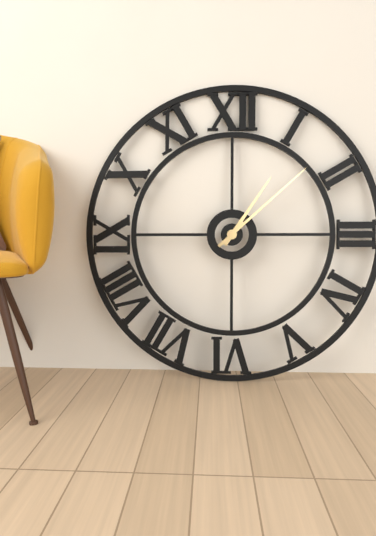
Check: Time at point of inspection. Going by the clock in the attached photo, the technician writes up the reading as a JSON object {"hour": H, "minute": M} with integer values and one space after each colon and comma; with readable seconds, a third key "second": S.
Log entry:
{"hour": 1, "minute": 8}
